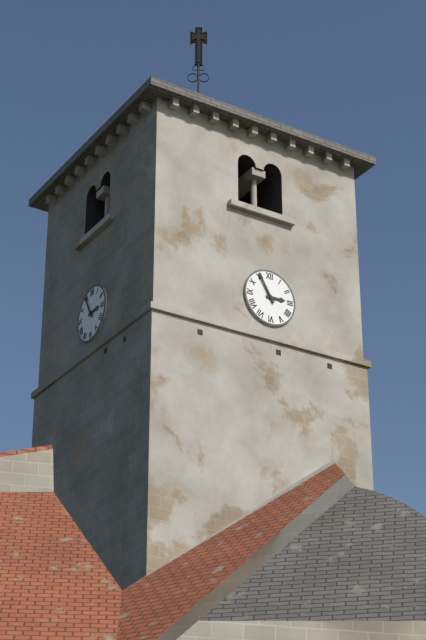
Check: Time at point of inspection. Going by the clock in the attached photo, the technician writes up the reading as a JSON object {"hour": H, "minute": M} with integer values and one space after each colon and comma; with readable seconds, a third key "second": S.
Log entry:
{"hour": 2, "minute": 55}
